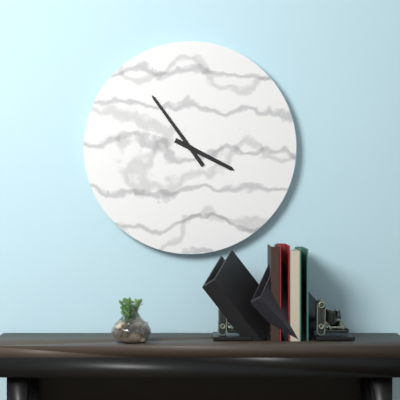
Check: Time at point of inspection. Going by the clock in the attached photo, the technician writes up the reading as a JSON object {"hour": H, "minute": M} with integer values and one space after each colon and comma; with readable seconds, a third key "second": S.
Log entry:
{"hour": 3, "minute": 54}
